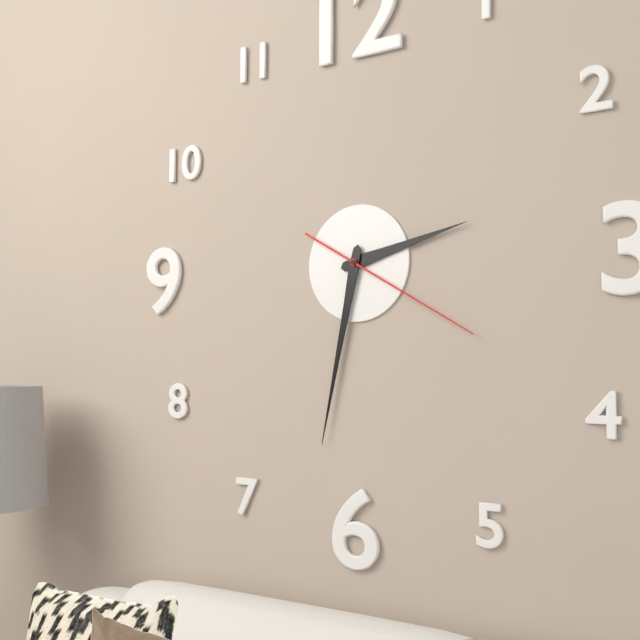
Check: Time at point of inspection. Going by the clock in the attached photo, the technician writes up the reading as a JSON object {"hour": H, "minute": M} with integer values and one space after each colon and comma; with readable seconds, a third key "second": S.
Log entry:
{"hour": 2, "minute": 32, "second": 20}
